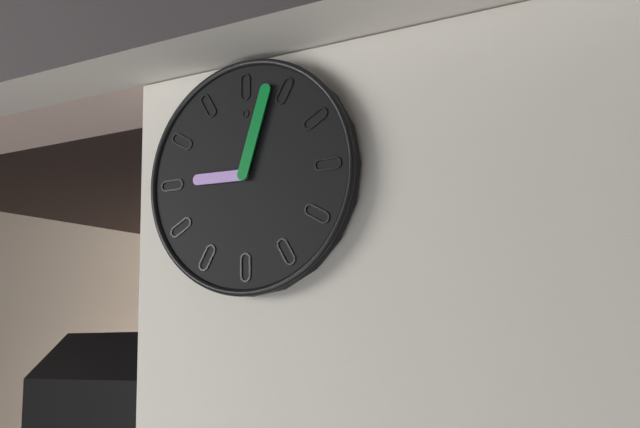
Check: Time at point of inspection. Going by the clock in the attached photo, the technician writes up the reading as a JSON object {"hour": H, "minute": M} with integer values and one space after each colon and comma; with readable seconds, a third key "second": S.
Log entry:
{"hour": 9, "minute": 3}
